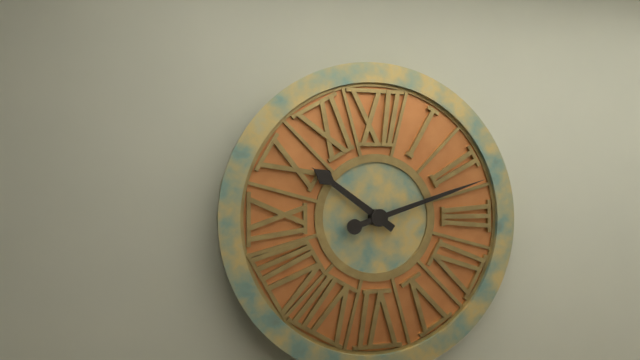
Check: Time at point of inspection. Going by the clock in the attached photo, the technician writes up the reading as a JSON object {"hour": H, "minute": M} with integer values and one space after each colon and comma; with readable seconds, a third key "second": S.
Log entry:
{"hour": 10, "minute": 12}
